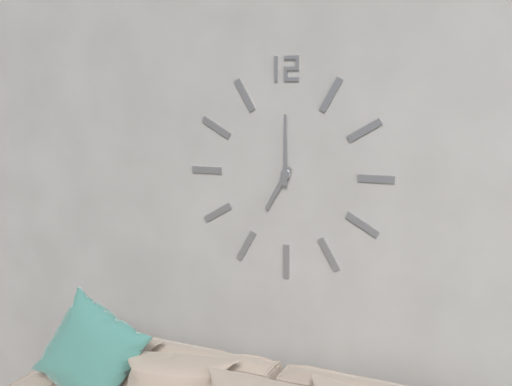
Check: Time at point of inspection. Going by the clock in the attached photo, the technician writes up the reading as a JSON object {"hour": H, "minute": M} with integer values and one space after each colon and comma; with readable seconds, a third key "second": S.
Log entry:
{"hour": 7, "minute": 0}
